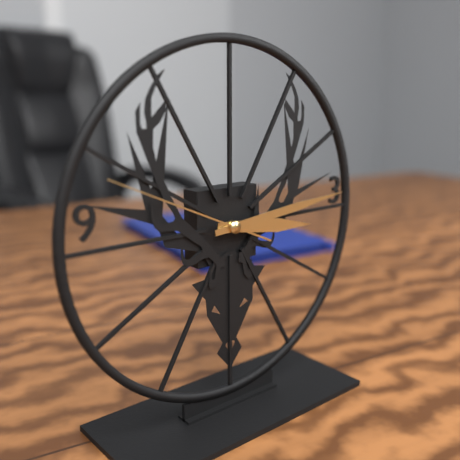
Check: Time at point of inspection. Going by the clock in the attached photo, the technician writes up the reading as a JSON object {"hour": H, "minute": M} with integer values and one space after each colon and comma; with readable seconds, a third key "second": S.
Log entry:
{"hour": 3, "minute": 14, "second": 49}
